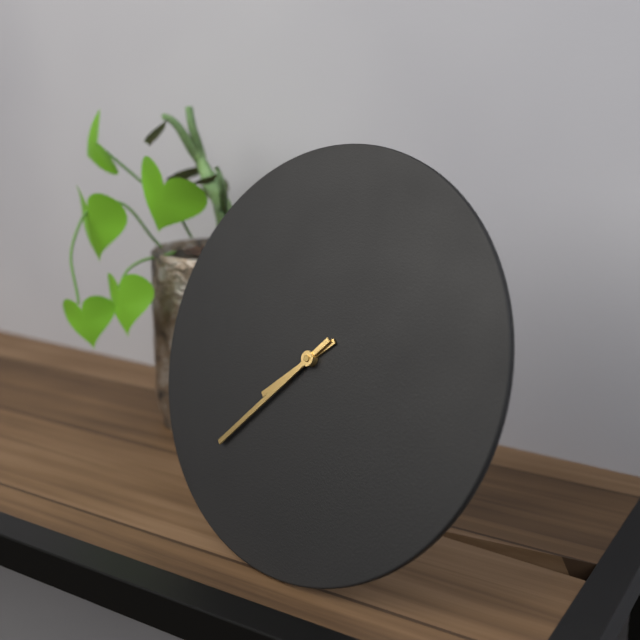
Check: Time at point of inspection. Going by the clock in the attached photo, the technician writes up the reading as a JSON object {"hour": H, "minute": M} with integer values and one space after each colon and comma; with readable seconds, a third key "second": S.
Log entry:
{"hour": 7, "minute": 37}
